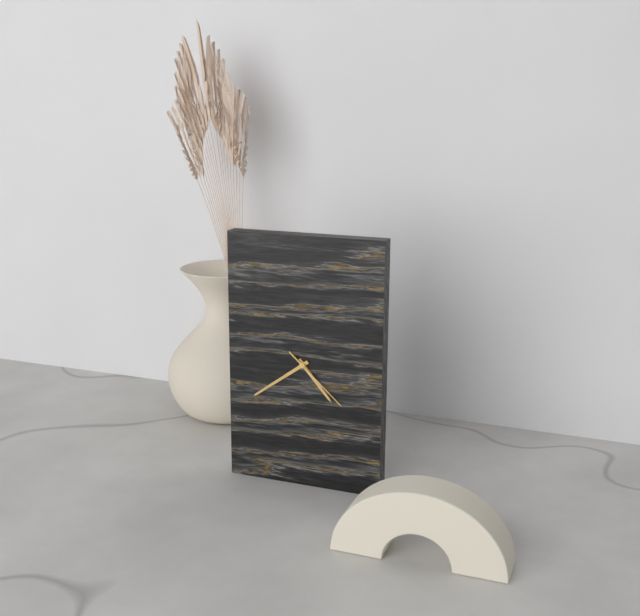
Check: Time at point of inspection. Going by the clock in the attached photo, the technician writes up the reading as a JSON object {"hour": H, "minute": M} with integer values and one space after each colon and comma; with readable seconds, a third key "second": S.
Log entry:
{"hour": 4, "minute": 39, "second": 22}
